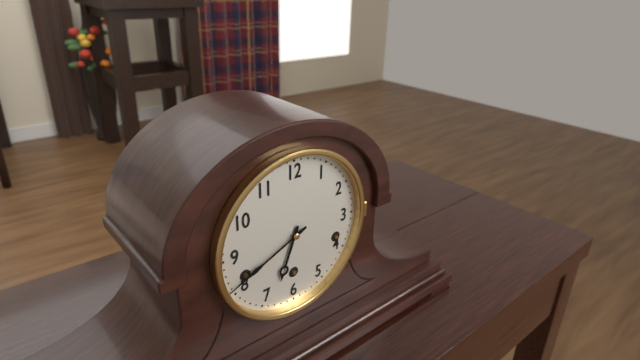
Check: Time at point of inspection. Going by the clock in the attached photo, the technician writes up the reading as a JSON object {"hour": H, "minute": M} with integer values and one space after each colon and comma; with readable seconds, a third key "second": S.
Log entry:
{"hour": 6, "minute": 41}
